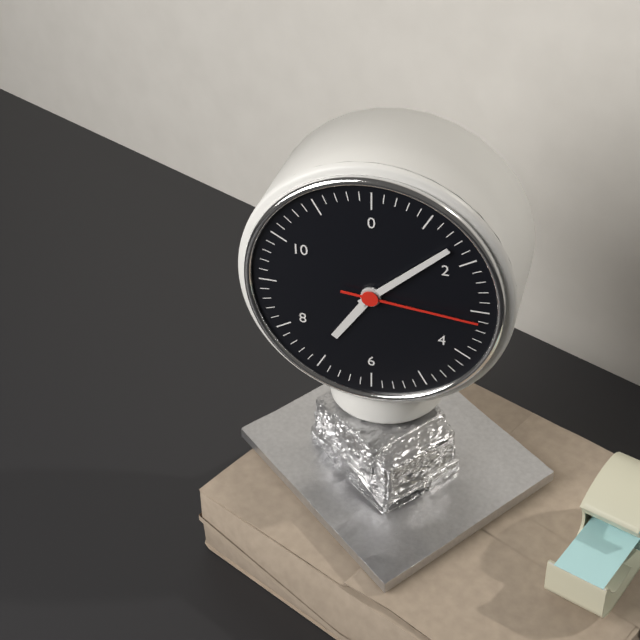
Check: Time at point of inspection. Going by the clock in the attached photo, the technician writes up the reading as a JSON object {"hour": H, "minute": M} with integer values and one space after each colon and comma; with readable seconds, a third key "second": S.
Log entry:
{"hour": 7, "minute": 8, "second": 16}
